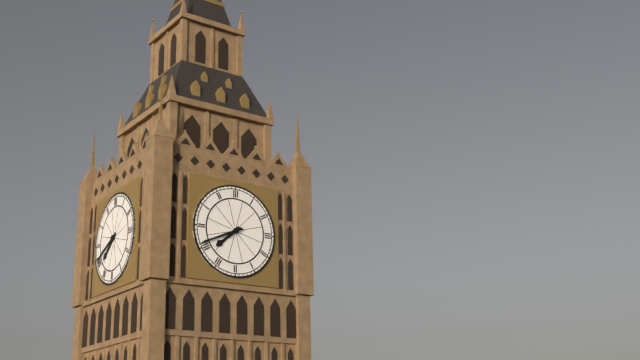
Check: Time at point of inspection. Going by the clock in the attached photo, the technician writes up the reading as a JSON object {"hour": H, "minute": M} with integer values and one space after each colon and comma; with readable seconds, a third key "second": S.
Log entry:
{"hour": 7, "minute": 41}
